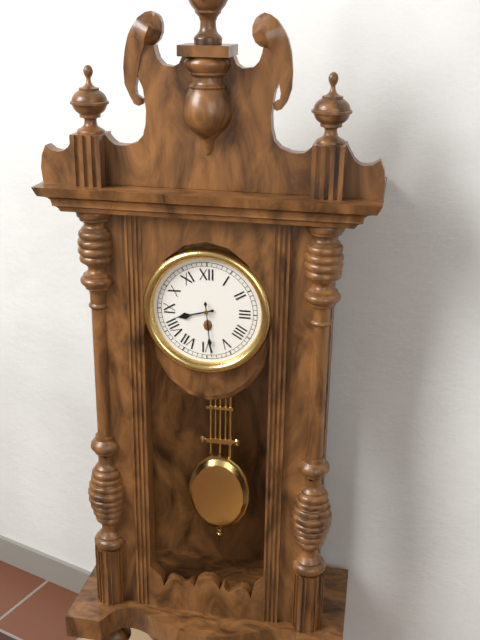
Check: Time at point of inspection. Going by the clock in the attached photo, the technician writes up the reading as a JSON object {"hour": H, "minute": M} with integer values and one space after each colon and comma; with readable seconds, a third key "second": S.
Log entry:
{"hour": 8, "minute": 29}
